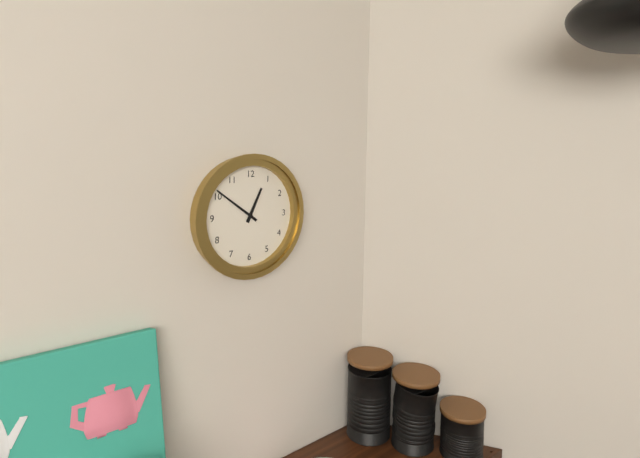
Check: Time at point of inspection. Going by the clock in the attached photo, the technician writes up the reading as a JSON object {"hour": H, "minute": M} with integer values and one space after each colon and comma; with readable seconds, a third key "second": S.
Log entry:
{"hour": 12, "minute": 51}
